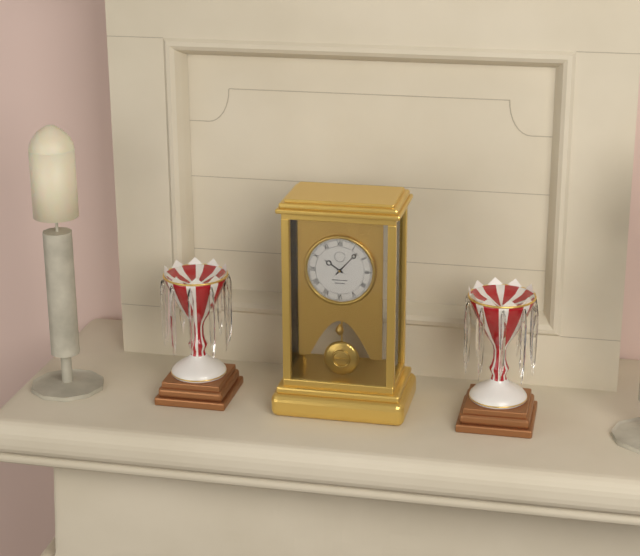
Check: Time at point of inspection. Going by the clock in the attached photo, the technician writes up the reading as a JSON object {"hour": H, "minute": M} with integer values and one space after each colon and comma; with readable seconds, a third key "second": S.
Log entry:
{"hour": 10, "minute": 7}
